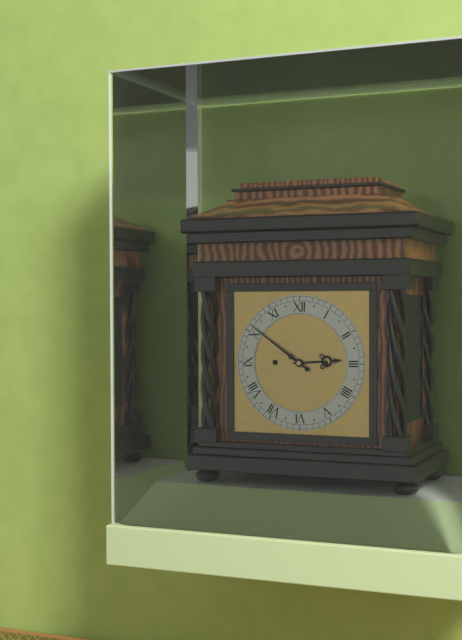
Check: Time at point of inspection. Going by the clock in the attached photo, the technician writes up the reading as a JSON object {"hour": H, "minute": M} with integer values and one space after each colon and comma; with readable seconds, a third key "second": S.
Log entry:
{"hour": 2, "minute": 51}
